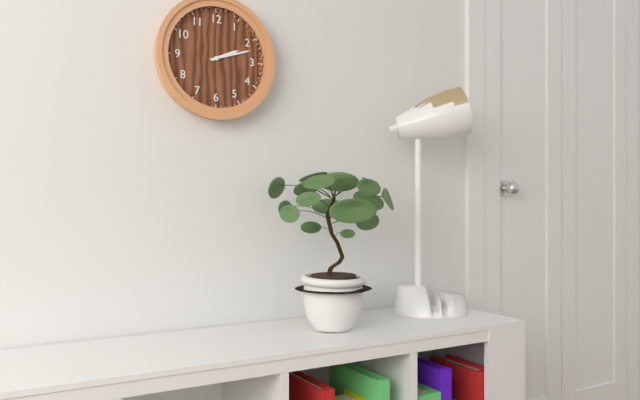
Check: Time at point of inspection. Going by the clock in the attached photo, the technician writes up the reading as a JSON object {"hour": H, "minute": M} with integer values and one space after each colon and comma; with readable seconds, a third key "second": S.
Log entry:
{"hour": 2, "minute": 12}
